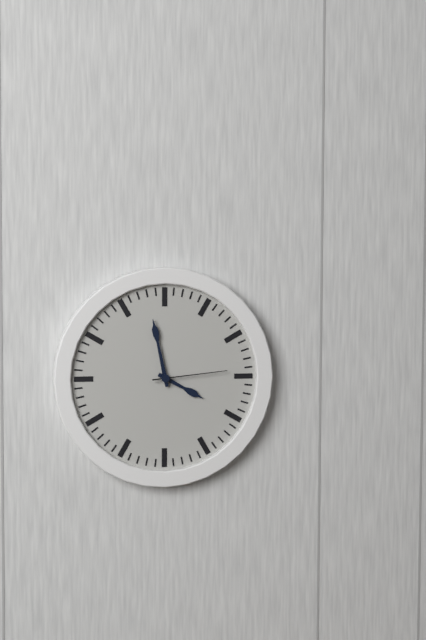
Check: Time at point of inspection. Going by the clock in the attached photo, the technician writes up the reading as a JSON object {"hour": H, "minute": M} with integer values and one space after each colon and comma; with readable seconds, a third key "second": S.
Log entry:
{"hour": 3, "minute": 58, "second": 14}
